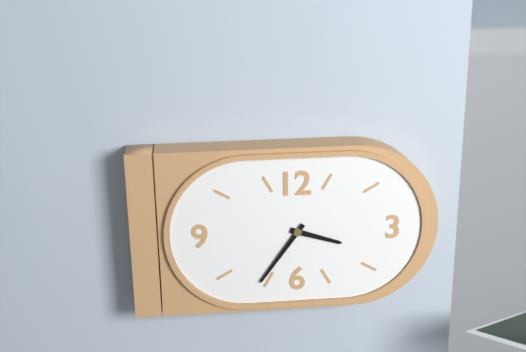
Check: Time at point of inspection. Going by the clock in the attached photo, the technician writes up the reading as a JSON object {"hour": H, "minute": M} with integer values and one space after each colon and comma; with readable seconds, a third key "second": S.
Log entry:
{"hour": 3, "minute": 36}
